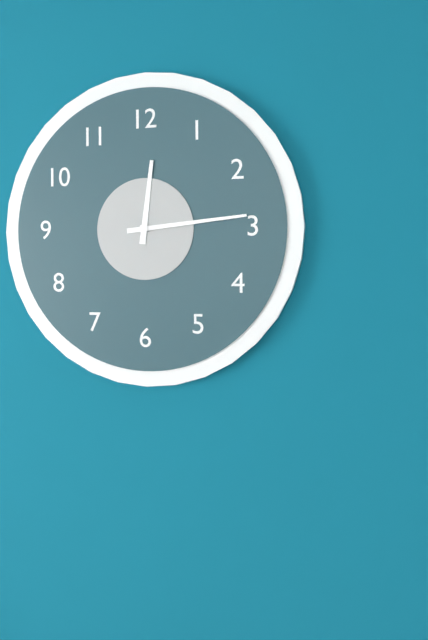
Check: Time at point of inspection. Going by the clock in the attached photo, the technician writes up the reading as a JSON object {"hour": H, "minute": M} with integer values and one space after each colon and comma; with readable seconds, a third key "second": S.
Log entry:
{"hour": 12, "minute": 14}
